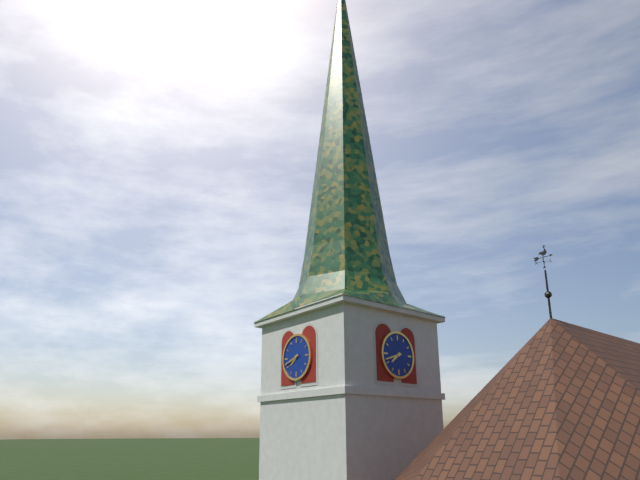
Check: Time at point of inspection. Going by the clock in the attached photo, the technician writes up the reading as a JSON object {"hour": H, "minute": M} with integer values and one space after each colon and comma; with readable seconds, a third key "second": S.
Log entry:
{"hour": 7, "minute": 42}
